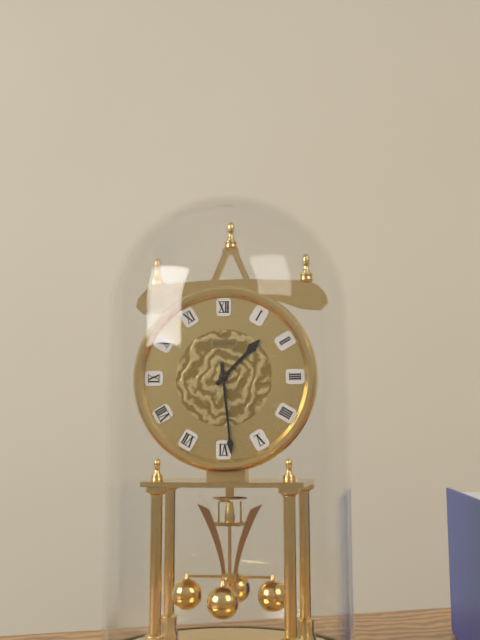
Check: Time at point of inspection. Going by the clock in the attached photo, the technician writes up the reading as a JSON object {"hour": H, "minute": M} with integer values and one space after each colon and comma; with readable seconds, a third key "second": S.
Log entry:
{"hour": 1, "minute": 29}
